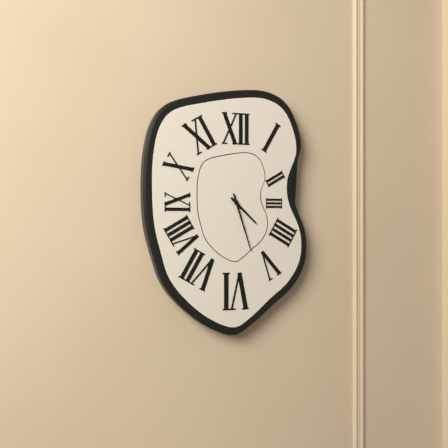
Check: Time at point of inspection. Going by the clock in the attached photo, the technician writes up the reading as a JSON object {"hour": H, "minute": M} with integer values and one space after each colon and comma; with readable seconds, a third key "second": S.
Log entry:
{"hour": 4, "minute": 27}
